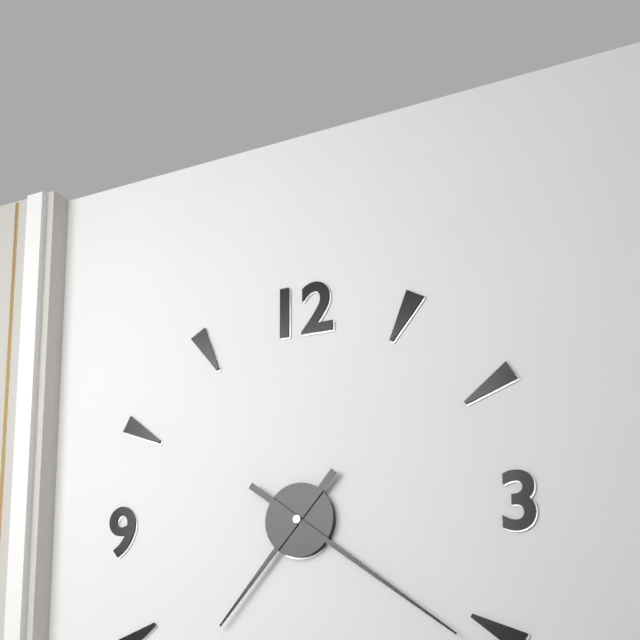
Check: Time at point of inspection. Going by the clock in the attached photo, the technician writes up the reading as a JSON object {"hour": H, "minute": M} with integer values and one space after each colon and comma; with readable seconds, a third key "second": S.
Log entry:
{"hour": 7, "minute": 21}
